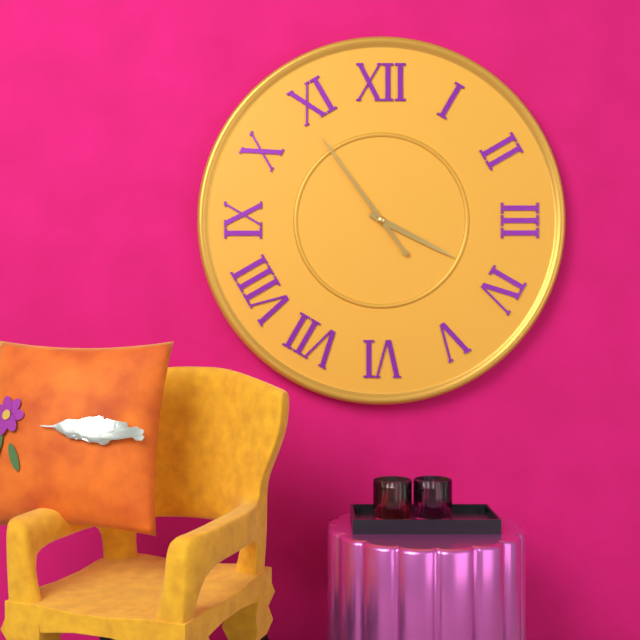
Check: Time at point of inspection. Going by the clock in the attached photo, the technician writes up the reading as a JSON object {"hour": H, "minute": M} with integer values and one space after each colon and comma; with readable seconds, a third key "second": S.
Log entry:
{"hour": 3, "minute": 54}
